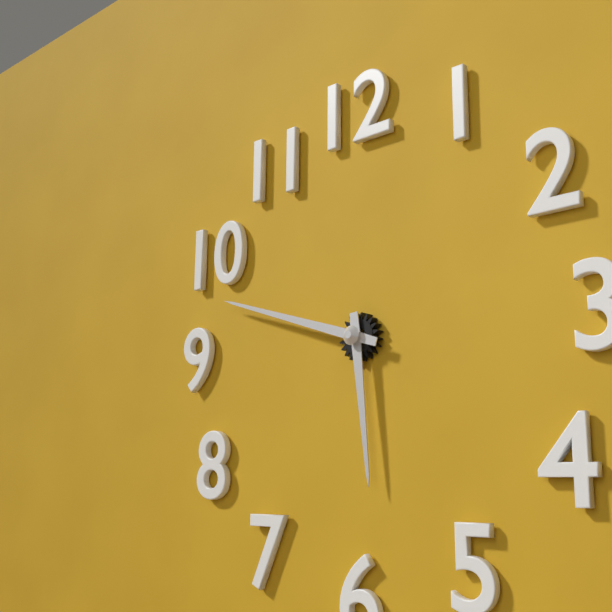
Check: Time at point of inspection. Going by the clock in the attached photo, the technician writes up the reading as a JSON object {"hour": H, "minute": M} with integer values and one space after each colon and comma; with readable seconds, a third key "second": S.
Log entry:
{"hour": 5, "minute": 48}
